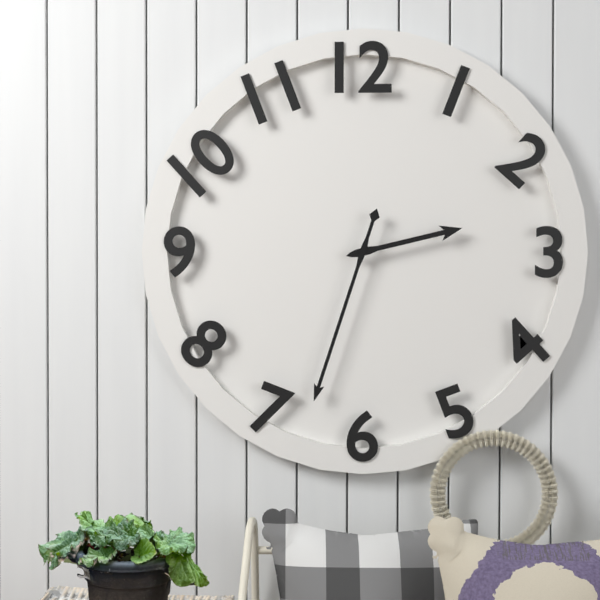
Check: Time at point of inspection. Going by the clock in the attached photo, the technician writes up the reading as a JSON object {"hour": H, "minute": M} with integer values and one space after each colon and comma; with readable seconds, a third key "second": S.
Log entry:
{"hour": 2, "minute": 33}
